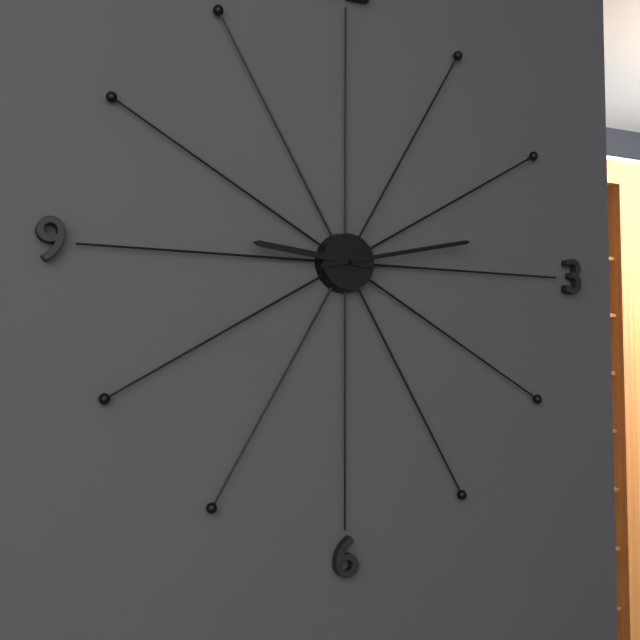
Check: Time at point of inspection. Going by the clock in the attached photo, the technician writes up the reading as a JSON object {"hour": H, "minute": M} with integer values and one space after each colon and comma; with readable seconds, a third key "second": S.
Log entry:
{"hour": 9, "minute": 13}
